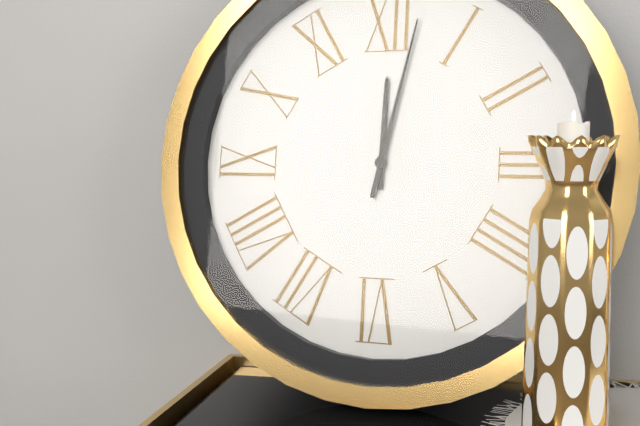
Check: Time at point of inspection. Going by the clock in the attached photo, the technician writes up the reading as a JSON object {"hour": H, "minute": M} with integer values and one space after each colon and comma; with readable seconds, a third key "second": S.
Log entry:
{"hour": 12, "minute": 2}
